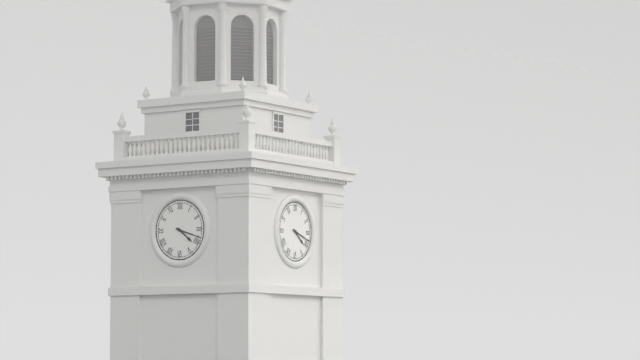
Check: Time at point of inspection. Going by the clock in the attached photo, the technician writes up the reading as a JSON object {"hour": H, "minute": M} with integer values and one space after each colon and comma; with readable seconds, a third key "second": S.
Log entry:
{"hour": 4, "minute": 18}
